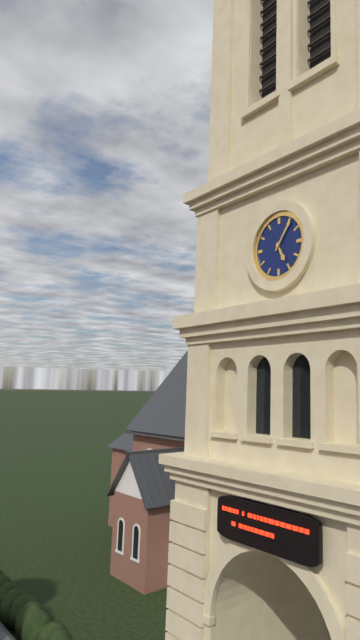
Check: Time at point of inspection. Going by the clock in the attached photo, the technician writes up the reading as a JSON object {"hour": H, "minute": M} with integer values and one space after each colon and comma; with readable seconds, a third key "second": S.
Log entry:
{"hour": 5, "minute": 6}
